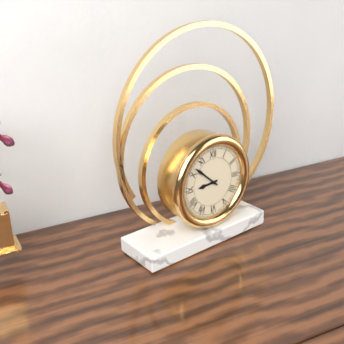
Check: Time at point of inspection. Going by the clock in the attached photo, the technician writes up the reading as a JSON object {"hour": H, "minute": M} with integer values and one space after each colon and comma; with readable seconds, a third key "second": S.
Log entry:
{"hour": 8, "minute": 52}
